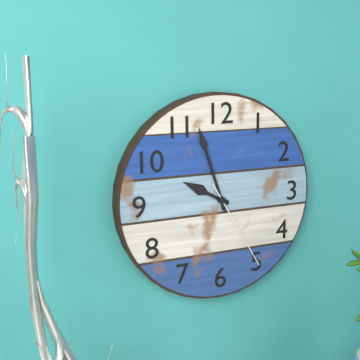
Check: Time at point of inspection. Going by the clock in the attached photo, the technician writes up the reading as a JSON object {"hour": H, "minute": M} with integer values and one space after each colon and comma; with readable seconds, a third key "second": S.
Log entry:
{"hour": 9, "minute": 57, "second": 25}
